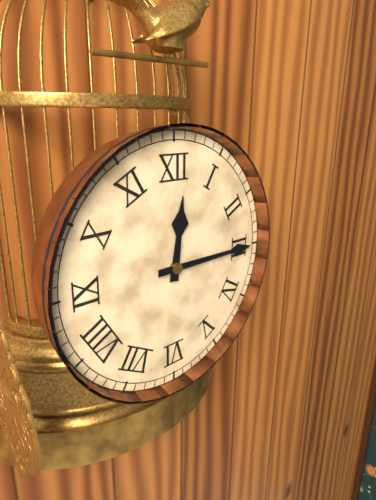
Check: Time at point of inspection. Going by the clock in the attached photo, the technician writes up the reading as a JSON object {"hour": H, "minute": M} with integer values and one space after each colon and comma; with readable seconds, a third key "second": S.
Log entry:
{"hour": 12, "minute": 15}
